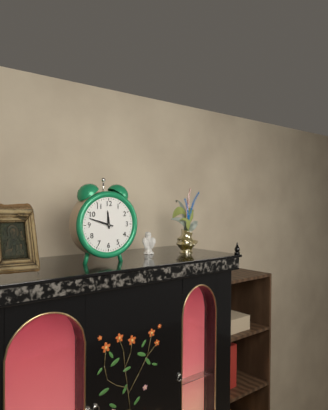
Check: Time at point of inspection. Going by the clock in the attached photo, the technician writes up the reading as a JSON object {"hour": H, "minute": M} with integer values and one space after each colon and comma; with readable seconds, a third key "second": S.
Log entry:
{"hour": 11, "minute": 48}
